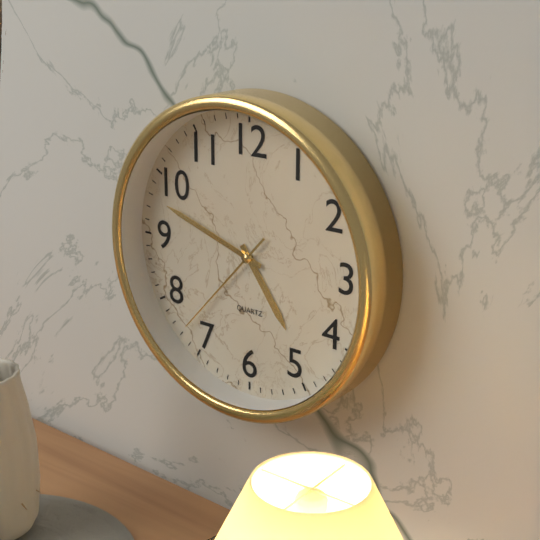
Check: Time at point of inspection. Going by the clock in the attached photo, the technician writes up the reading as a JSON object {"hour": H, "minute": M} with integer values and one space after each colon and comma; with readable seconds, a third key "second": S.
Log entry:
{"hour": 4, "minute": 48, "second": 37}
